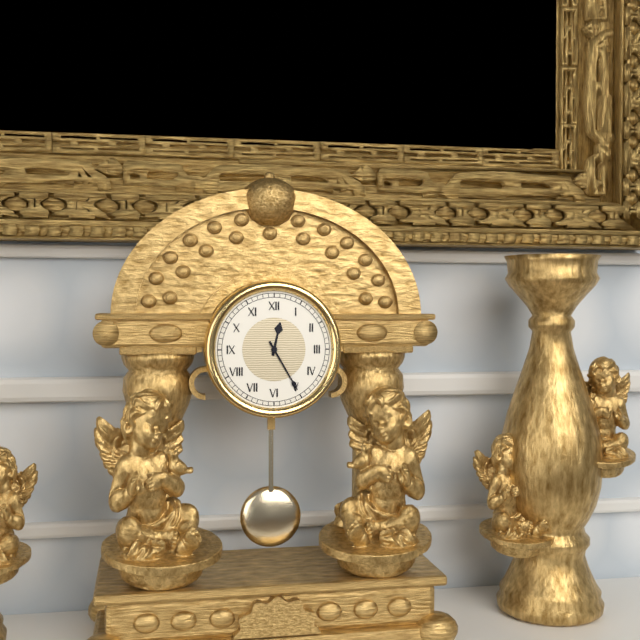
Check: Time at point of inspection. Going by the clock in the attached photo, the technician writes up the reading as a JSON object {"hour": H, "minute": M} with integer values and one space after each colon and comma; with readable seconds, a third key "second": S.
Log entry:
{"hour": 12, "minute": 25}
